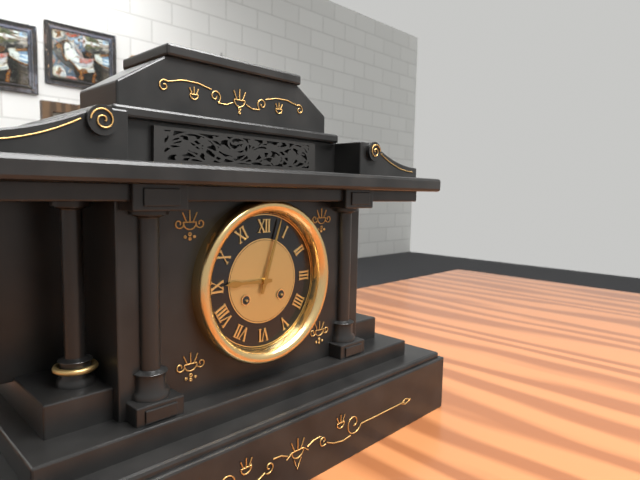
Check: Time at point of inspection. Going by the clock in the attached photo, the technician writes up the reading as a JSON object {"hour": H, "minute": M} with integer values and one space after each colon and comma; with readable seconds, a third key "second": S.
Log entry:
{"hour": 9, "minute": 3}
